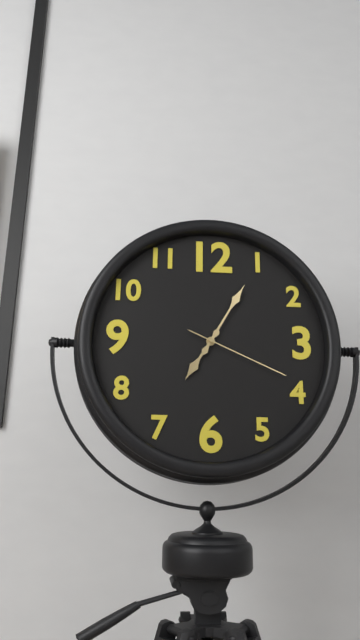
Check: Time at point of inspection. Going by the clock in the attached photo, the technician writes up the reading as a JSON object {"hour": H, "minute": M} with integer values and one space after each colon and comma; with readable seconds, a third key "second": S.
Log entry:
{"hour": 7, "minute": 5, "second": 19}
